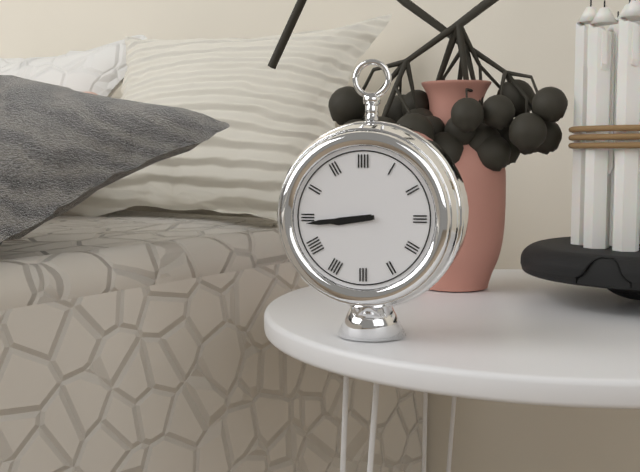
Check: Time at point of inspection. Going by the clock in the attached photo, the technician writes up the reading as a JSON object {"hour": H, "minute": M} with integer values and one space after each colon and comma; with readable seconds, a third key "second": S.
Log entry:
{"hour": 8, "minute": 44}
